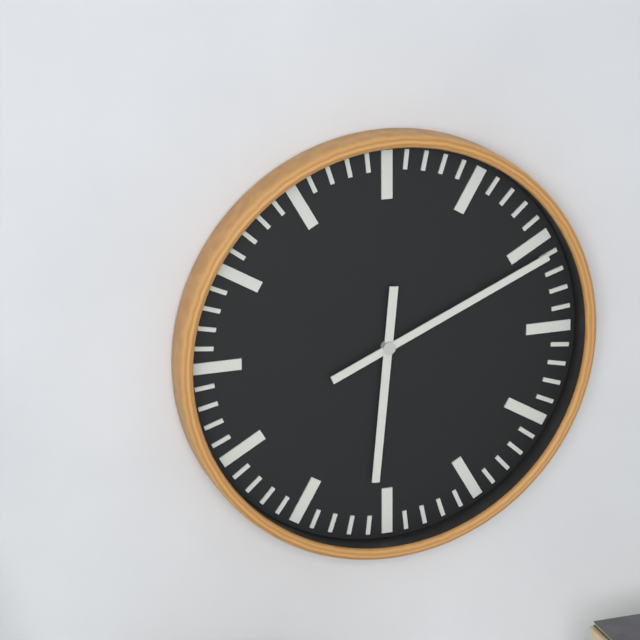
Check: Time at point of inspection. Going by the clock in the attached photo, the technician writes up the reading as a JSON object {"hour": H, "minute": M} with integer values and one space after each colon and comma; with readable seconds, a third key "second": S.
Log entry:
{"hour": 6, "minute": 11}
